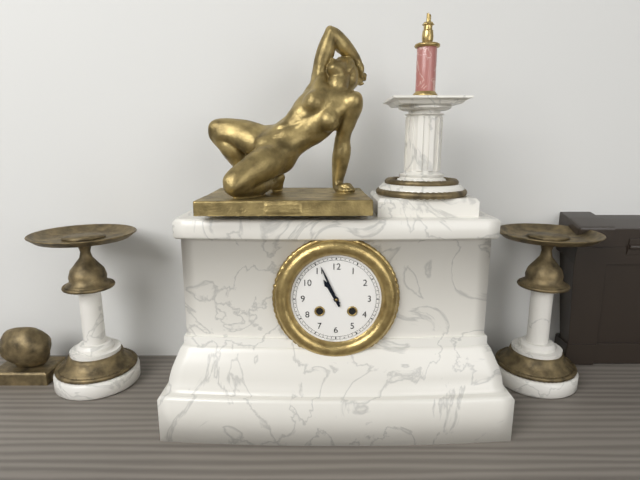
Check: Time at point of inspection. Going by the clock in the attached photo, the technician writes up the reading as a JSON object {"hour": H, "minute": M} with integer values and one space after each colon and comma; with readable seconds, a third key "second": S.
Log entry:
{"hour": 10, "minute": 56}
